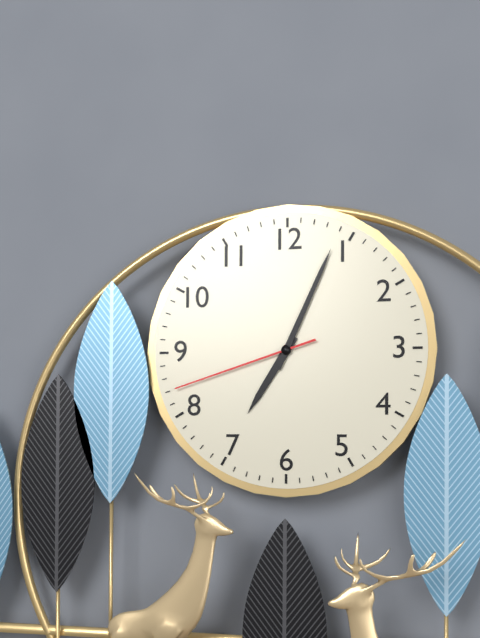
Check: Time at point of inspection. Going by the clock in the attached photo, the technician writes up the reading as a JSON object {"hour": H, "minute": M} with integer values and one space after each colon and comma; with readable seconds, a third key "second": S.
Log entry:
{"hour": 7, "minute": 4, "second": 42}
